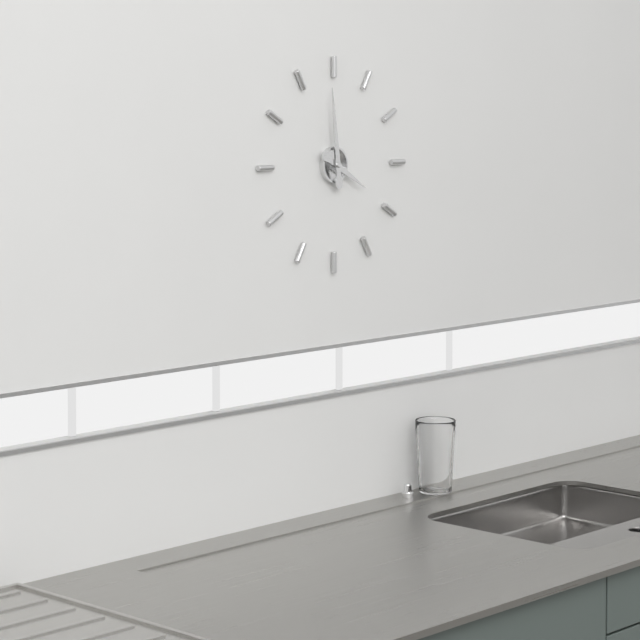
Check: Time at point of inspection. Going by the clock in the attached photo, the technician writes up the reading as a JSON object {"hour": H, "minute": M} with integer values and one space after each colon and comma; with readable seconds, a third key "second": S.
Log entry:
{"hour": 3, "minute": 59}
